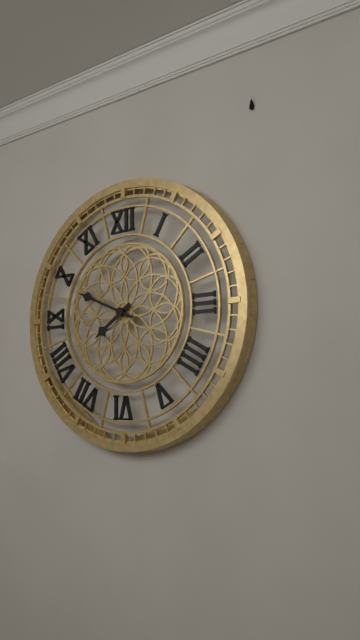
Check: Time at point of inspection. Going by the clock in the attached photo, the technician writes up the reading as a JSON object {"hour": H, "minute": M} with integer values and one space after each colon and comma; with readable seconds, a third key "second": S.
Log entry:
{"hour": 7, "minute": 49}
